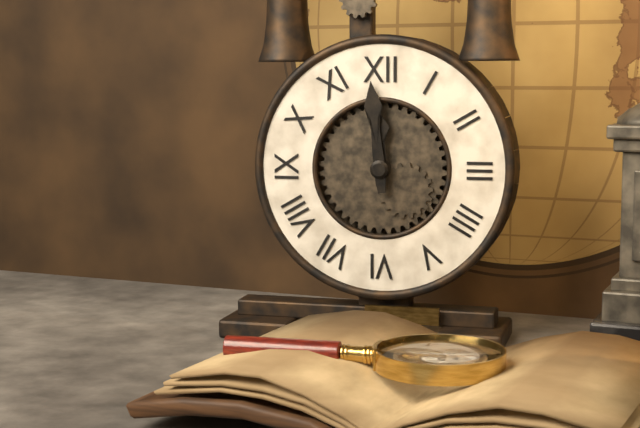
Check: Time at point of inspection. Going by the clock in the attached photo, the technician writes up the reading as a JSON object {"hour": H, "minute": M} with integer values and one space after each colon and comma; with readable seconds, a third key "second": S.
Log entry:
{"hour": 11, "minute": 59}
